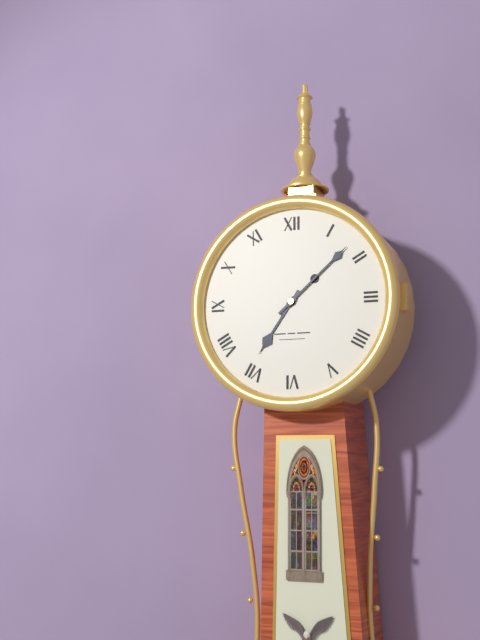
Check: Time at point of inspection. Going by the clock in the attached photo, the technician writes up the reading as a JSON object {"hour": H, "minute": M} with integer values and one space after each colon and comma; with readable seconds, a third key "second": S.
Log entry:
{"hour": 7, "minute": 8}
